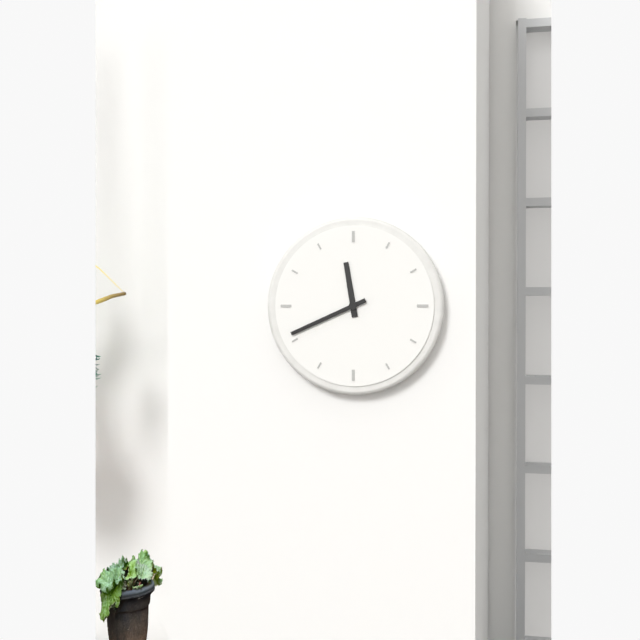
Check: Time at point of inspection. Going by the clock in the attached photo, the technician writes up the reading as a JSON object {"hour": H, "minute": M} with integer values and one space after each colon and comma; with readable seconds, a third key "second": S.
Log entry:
{"hour": 11, "minute": 41}
